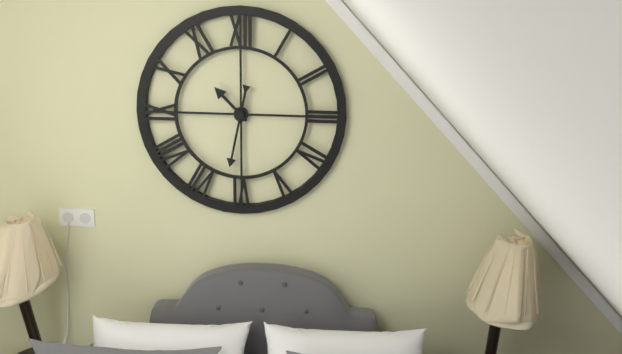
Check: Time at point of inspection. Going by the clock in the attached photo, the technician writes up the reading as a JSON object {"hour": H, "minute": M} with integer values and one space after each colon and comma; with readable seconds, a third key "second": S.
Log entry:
{"hour": 10, "minute": 32}
